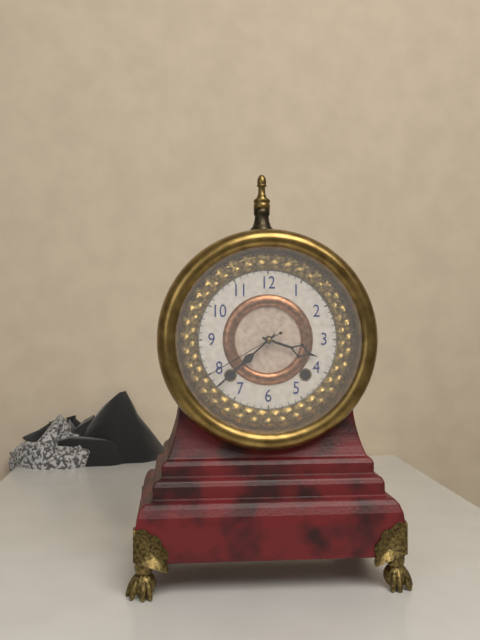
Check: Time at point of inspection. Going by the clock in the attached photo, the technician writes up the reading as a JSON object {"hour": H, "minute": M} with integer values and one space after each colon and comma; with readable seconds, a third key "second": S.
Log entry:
{"hour": 3, "minute": 38, "second": 40}
